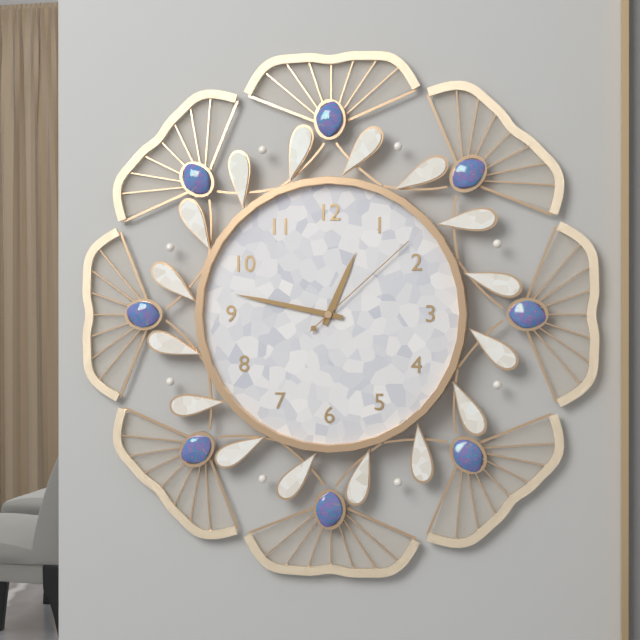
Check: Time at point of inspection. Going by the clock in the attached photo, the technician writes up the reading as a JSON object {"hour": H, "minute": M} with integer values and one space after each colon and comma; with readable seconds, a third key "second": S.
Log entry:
{"hour": 12, "minute": 47, "second": 8}
